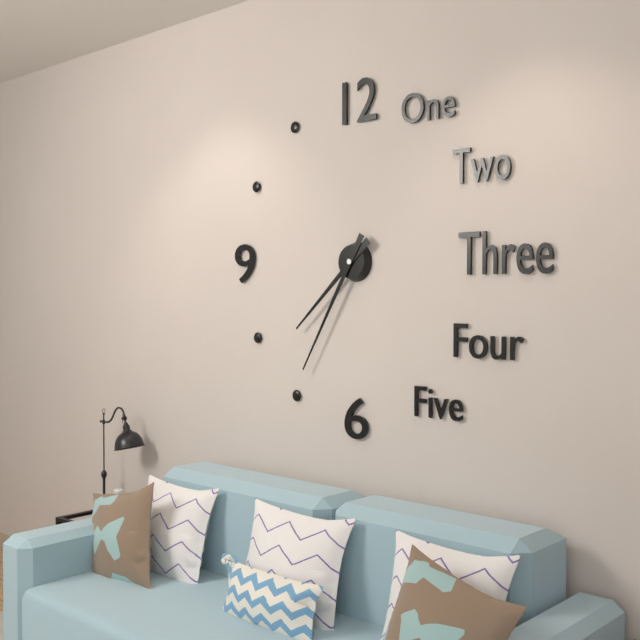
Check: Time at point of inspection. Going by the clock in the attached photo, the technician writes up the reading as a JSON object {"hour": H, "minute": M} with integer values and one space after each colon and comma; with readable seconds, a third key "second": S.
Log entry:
{"hour": 7, "minute": 35}
